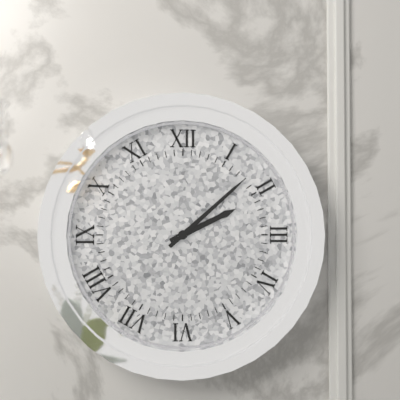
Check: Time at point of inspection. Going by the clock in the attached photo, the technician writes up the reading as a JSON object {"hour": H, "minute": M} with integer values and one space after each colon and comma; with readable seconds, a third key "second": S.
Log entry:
{"hour": 2, "minute": 8}
